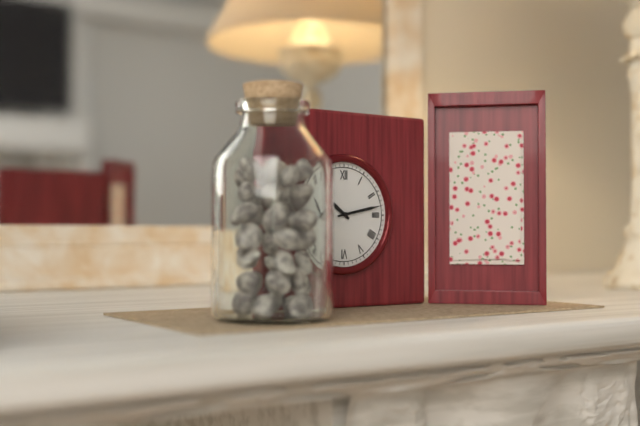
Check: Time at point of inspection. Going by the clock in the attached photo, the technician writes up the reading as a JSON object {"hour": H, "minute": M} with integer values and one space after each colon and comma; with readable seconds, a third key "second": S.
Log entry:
{"hour": 10, "minute": 13}
